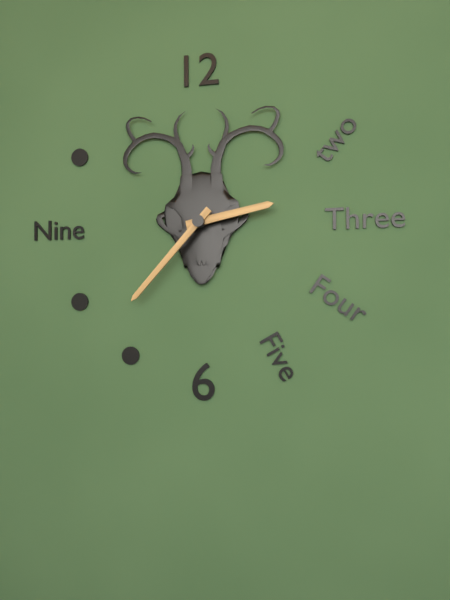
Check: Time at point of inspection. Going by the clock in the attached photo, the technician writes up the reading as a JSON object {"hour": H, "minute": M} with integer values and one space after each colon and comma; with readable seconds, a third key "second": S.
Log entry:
{"hour": 2, "minute": 37}
